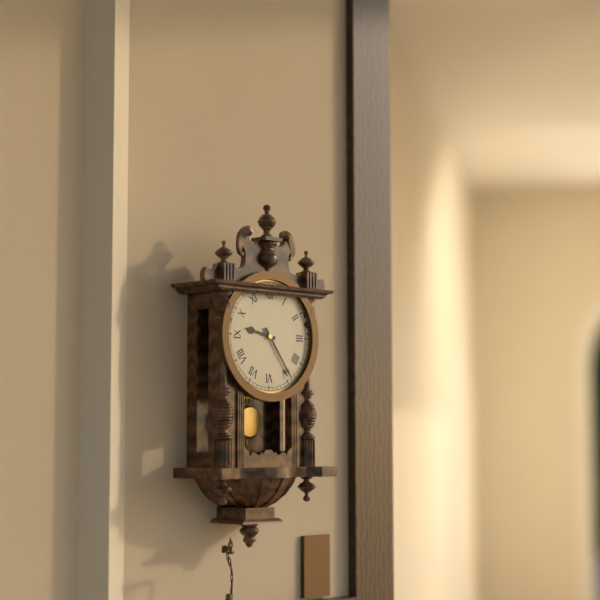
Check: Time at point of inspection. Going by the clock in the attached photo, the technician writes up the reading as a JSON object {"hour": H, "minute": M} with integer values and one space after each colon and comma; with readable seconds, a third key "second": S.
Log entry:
{"hour": 9, "minute": 24}
